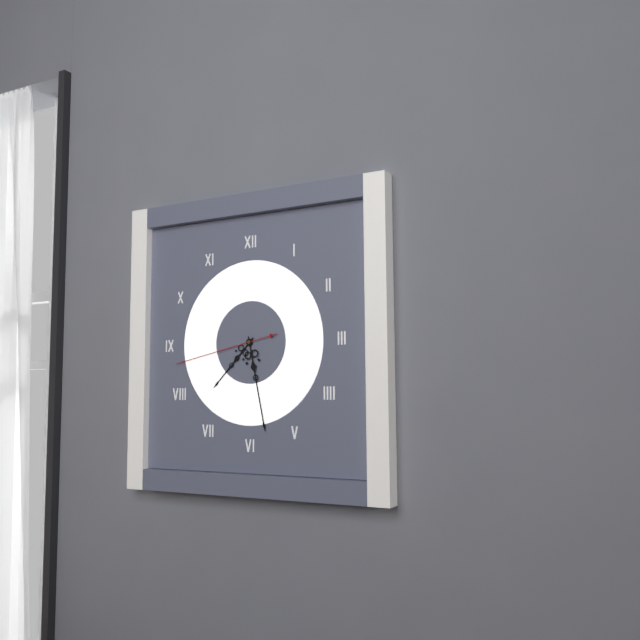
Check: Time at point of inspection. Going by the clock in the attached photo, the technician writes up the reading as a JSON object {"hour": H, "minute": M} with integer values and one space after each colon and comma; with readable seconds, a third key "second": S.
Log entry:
{"hour": 7, "minute": 28, "second": 43}
